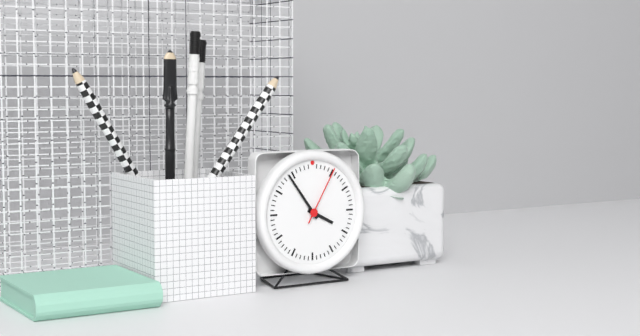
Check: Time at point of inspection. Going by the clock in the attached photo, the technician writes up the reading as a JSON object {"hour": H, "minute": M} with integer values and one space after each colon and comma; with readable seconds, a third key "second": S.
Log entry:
{"hour": 3, "minute": 54, "second": 5}
